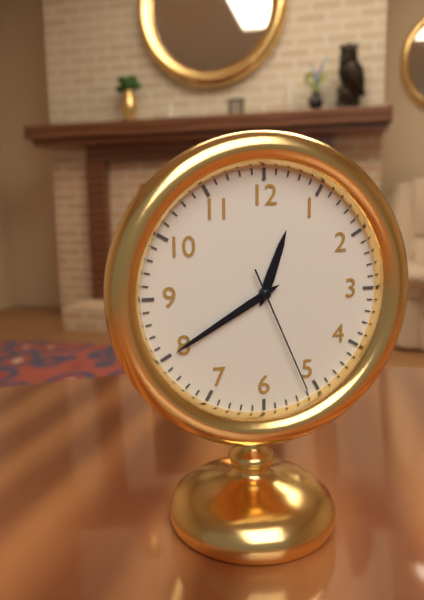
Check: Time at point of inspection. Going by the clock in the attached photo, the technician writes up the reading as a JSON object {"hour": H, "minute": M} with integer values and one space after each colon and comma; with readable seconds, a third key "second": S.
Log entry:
{"hour": 12, "minute": 40, "second": 26}
